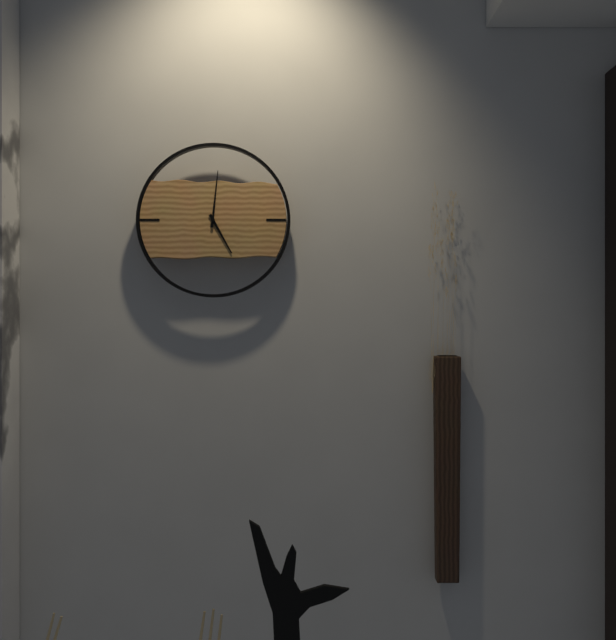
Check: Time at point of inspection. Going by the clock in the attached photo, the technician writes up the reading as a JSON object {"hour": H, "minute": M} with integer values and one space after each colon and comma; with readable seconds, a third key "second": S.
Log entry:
{"hour": 5, "minute": 1}
